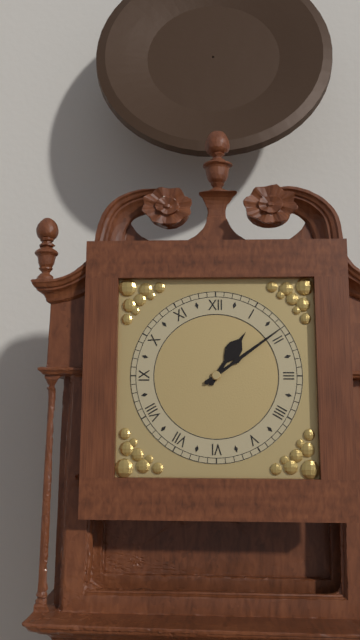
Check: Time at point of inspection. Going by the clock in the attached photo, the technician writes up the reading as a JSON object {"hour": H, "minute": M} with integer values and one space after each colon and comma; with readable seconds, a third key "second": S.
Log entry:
{"hour": 1, "minute": 9}
